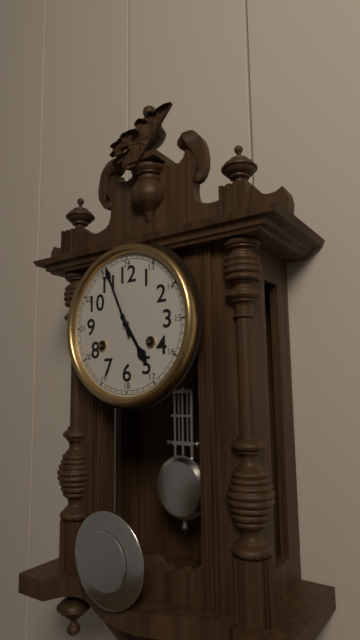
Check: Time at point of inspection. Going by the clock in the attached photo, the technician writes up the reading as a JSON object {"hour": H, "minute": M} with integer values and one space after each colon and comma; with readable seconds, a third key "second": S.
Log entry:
{"hour": 4, "minute": 56}
